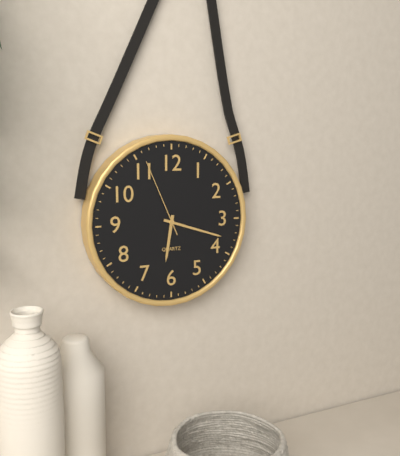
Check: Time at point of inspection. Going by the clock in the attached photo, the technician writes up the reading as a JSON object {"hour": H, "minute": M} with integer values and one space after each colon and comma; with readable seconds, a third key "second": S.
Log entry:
{"hour": 6, "minute": 18, "second": 56}
